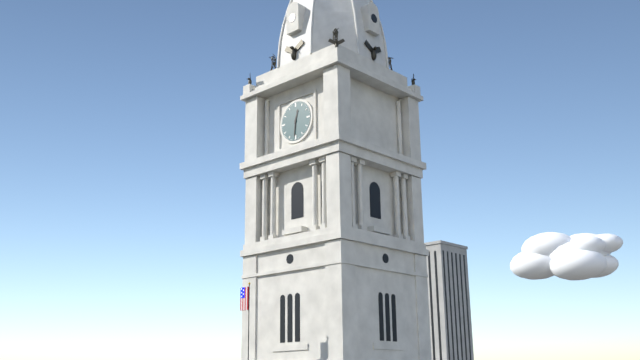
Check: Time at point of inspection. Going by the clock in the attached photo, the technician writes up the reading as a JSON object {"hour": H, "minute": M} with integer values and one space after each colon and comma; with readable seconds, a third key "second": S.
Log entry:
{"hour": 12, "minute": 31}
